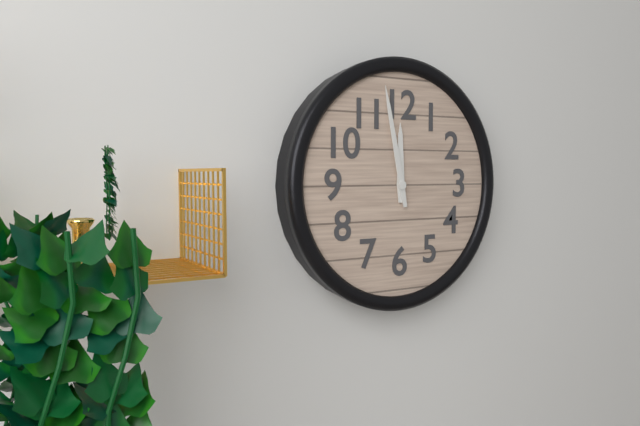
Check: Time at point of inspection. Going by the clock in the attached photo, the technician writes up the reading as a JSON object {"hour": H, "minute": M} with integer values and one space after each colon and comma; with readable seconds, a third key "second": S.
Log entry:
{"hour": 11, "minute": 58}
